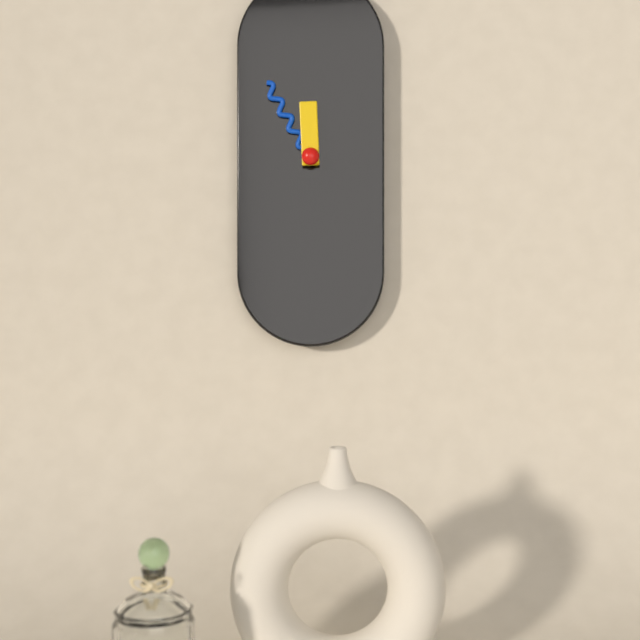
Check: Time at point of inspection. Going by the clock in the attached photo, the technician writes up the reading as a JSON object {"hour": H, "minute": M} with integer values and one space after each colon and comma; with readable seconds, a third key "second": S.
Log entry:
{"hour": 11, "minute": 55}
